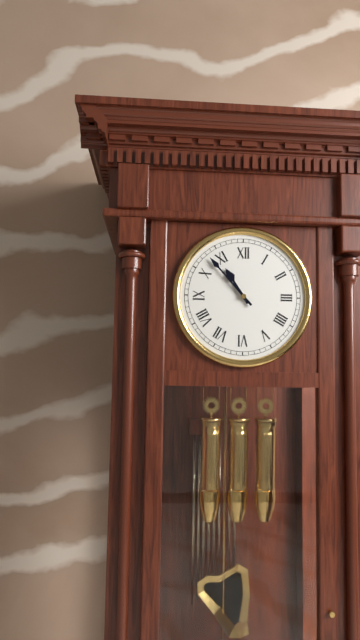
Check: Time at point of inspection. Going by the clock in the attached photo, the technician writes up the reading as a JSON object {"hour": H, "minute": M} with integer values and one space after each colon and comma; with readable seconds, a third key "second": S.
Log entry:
{"hour": 10, "minute": 53}
